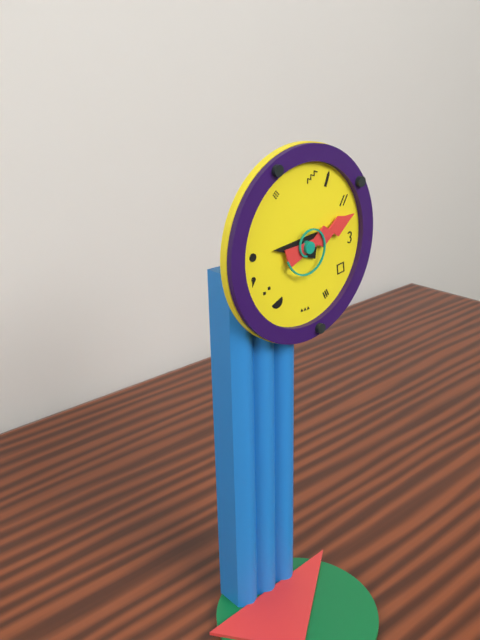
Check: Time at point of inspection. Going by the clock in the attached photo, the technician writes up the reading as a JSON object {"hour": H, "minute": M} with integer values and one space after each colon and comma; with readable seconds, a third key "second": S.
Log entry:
{"hour": 9, "minute": 12}
